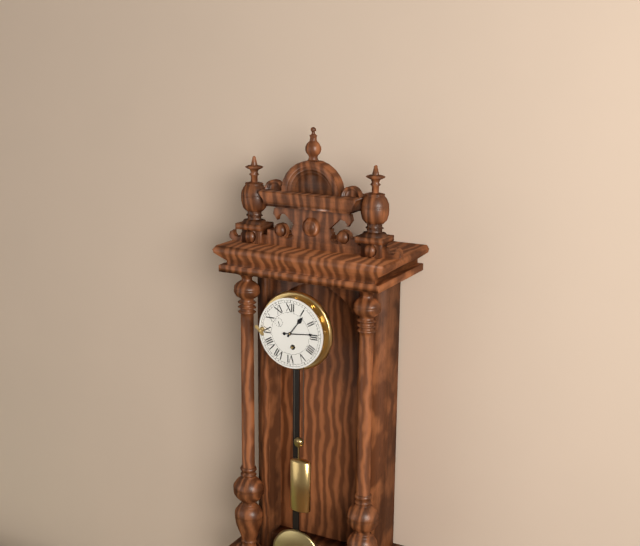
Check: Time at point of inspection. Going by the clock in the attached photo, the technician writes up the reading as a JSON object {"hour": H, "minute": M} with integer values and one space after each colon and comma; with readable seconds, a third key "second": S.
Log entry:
{"hour": 1, "minute": 14}
